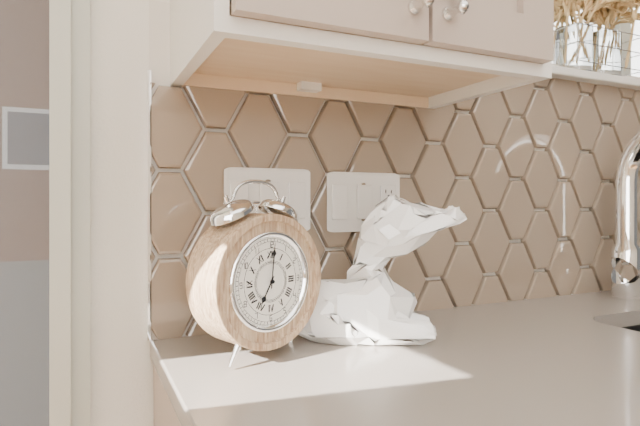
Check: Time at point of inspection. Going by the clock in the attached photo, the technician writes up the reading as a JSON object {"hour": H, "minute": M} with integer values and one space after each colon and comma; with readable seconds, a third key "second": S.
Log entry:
{"hour": 7, "minute": 1}
